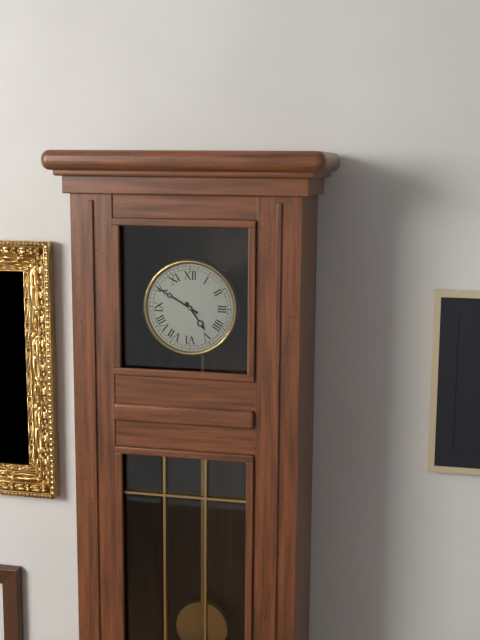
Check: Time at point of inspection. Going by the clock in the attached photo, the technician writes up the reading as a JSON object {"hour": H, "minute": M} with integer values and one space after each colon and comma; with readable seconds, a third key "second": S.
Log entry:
{"hour": 4, "minute": 50}
